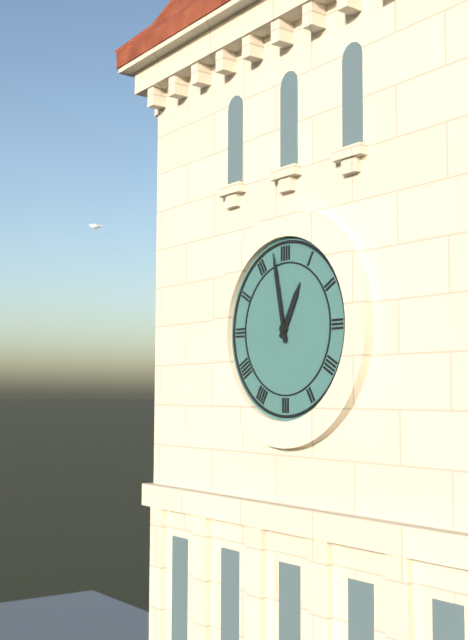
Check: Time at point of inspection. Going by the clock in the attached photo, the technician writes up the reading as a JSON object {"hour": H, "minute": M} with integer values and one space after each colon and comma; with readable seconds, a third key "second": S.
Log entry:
{"hour": 12, "minute": 58}
